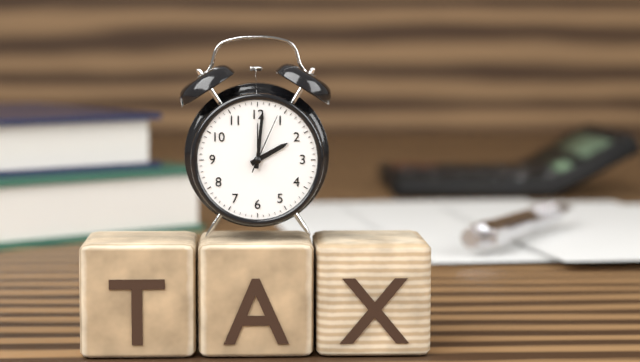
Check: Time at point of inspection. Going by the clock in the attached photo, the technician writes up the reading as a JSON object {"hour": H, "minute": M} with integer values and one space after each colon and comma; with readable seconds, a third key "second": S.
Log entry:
{"hour": 2, "minute": 1, "second": 4}
